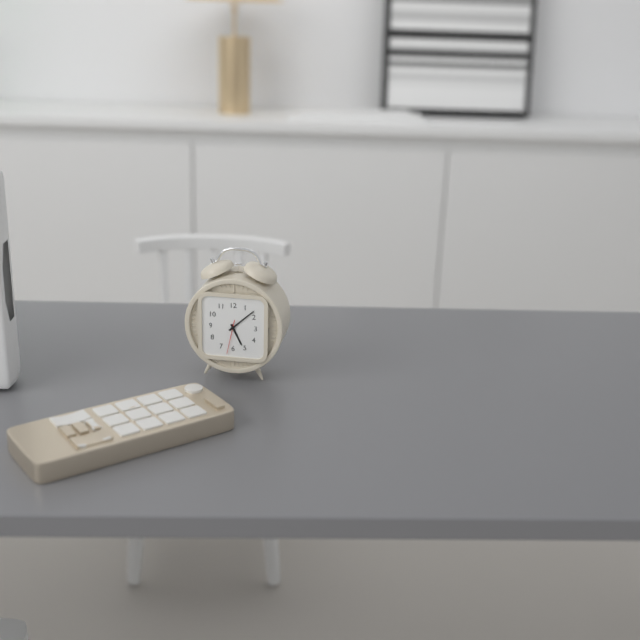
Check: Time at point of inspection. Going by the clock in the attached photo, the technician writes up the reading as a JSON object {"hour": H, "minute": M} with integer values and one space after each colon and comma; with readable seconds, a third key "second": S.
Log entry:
{"hour": 5, "minute": 8}
